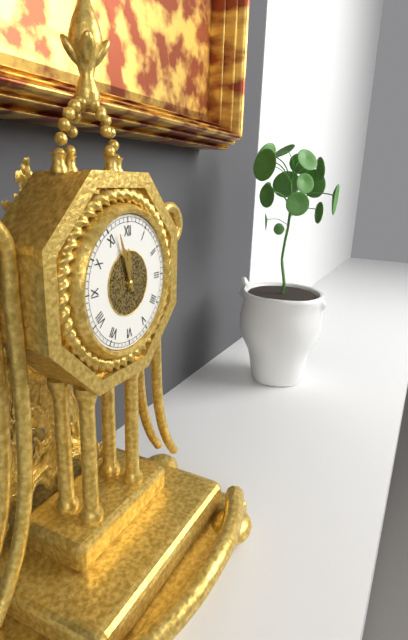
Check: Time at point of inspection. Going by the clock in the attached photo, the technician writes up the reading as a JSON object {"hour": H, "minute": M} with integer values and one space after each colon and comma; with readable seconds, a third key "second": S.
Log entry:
{"hour": 11, "minute": 57}
